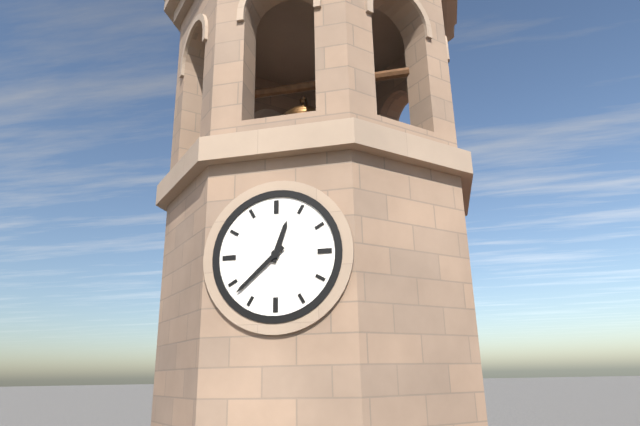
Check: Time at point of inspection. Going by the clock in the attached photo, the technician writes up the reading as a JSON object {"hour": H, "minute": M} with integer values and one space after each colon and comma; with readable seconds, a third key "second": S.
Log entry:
{"hour": 12, "minute": 38}
